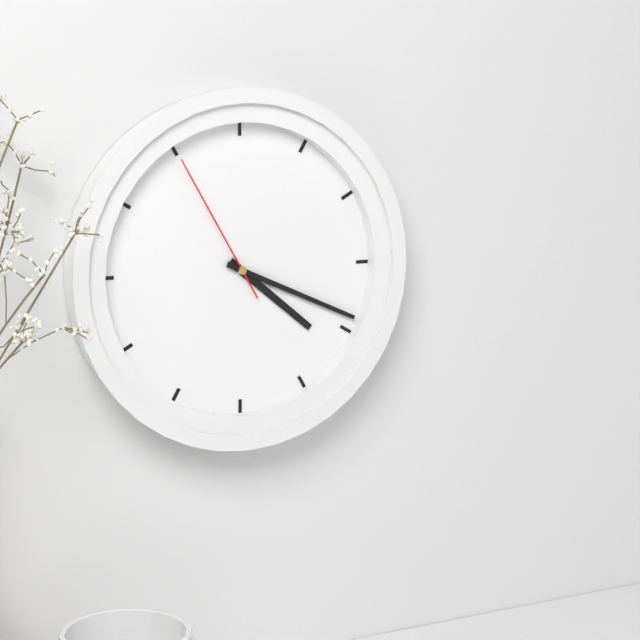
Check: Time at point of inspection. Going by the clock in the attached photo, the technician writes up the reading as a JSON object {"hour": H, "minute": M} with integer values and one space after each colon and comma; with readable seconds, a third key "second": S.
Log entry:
{"hour": 4, "minute": 19, "second": 55}
